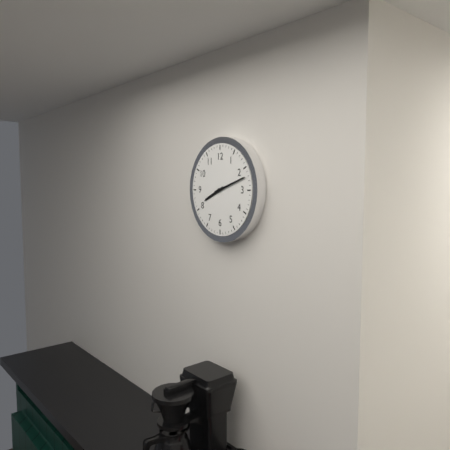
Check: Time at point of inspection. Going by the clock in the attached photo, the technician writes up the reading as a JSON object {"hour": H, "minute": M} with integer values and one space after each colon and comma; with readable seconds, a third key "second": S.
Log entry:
{"hour": 8, "minute": 12}
